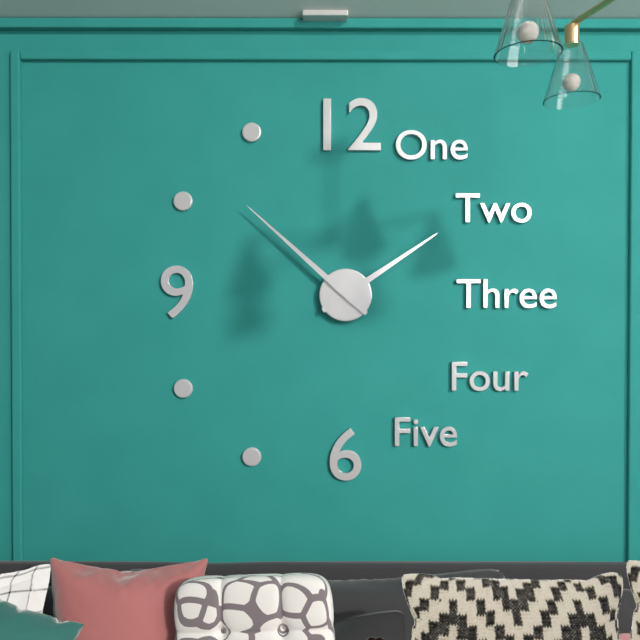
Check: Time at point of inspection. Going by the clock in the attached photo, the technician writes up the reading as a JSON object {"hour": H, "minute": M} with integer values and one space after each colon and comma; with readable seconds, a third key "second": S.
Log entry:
{"hour": 1, "minute": 52}
